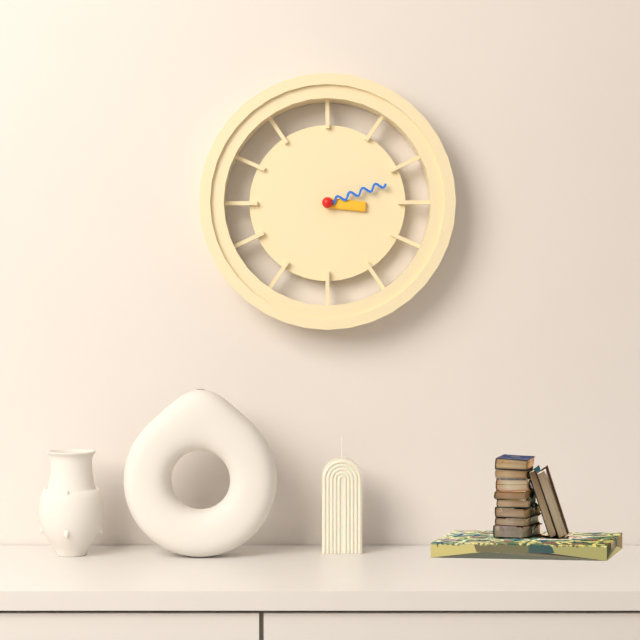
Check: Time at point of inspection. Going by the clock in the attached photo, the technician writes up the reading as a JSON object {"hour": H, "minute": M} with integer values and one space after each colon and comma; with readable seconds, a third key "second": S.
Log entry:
{"hour": 3, "minute": 12}
